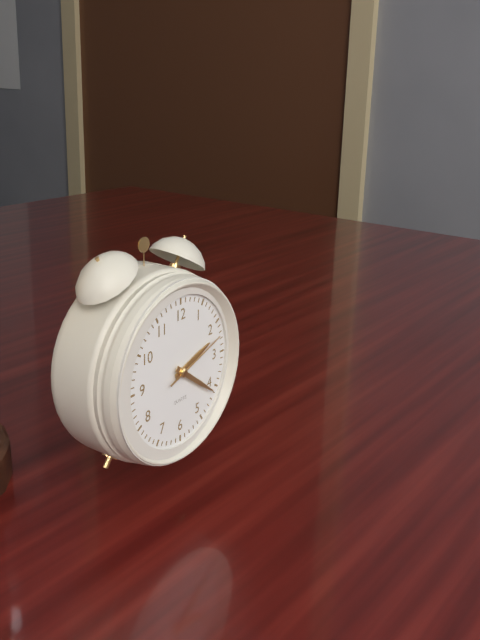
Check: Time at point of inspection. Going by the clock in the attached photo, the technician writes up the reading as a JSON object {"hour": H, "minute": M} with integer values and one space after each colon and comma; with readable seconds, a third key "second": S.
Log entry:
{"hour": 2, "minute": 21, "second": 12}
